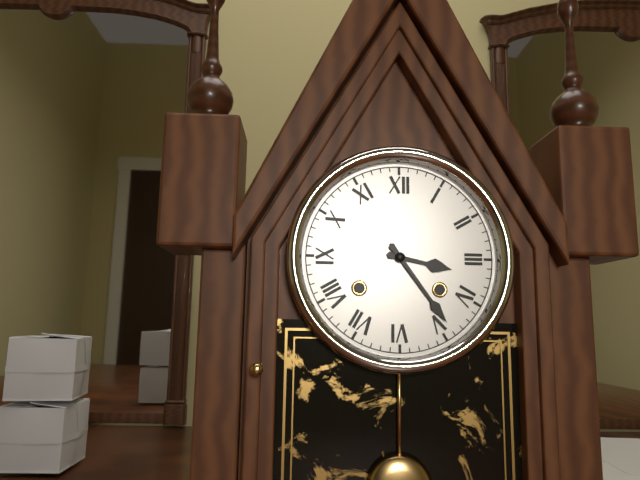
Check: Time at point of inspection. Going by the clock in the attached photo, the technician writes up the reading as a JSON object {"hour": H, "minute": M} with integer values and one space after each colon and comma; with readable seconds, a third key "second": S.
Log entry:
{"hour": 3, "minute": 24}
